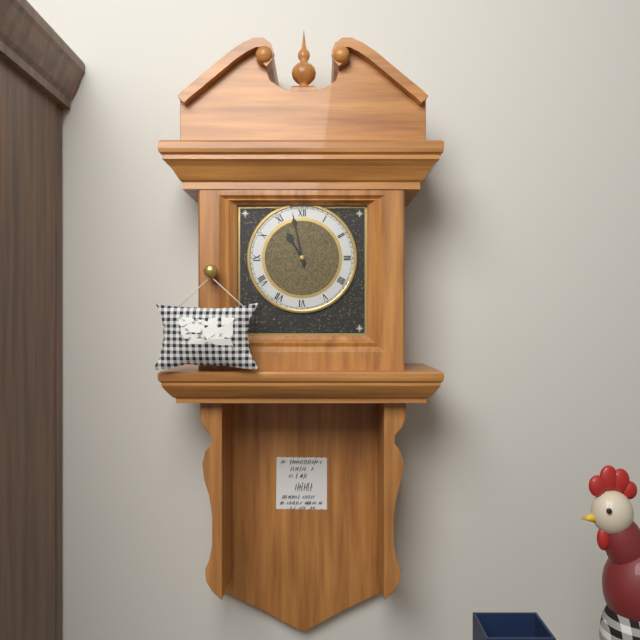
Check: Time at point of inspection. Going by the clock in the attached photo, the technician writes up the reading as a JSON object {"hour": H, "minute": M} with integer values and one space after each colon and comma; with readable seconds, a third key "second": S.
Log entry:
{"hour": 10, "minute": 58}
